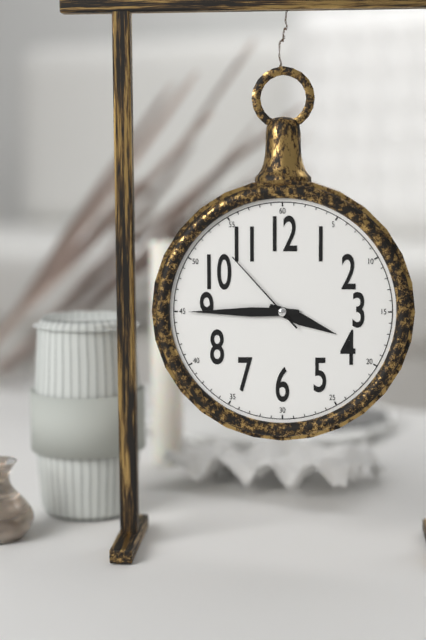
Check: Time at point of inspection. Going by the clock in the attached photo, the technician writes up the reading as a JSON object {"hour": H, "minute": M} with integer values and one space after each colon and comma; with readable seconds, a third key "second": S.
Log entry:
{"hour": 3, "minute": 45, "second": 53}
